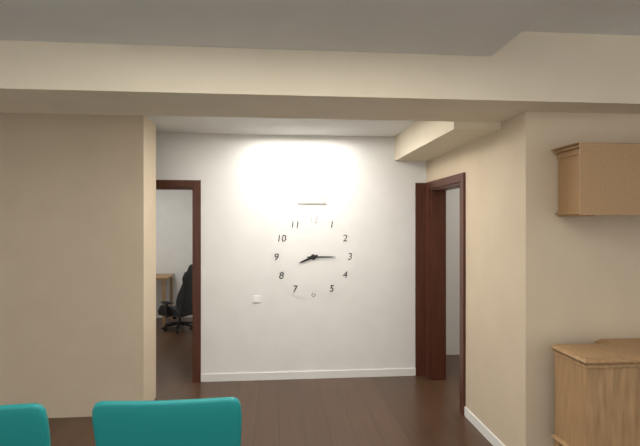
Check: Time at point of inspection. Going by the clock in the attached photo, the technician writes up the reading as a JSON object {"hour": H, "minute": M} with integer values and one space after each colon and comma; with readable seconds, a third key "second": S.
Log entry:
{"hour": 8, "minute": 15}
